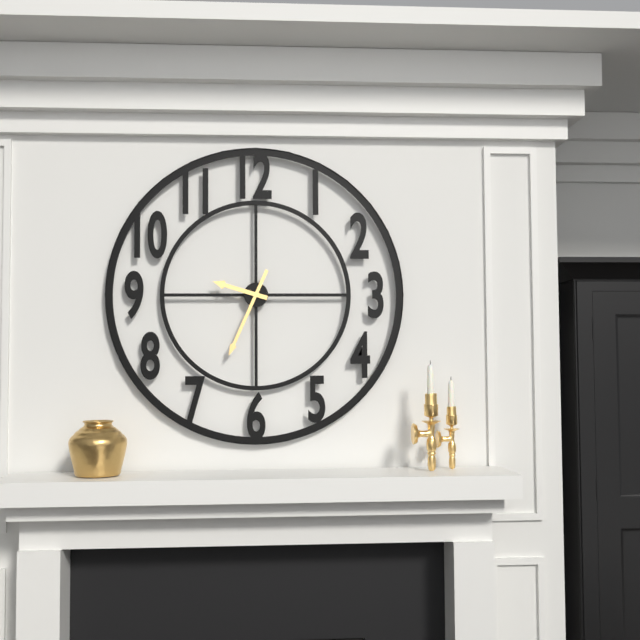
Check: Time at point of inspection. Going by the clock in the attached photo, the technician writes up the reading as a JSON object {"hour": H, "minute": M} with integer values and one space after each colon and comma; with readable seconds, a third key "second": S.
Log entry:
{"hour": 9, "minute": 34}
